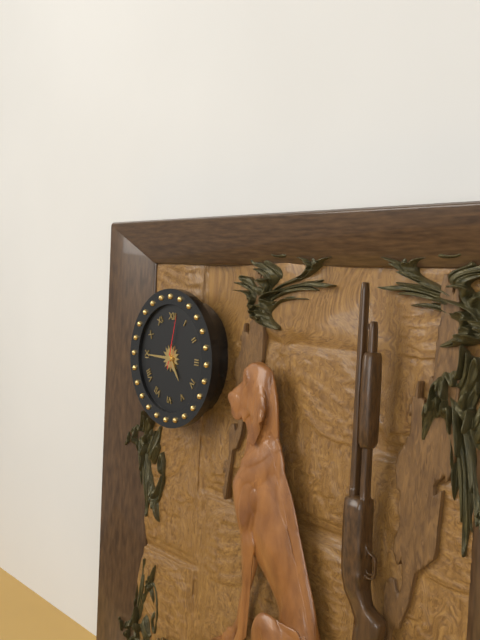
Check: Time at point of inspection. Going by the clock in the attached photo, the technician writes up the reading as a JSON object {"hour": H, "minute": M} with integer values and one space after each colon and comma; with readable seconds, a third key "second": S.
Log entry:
{"hour": 4, "minute": 45, "second": 2}
